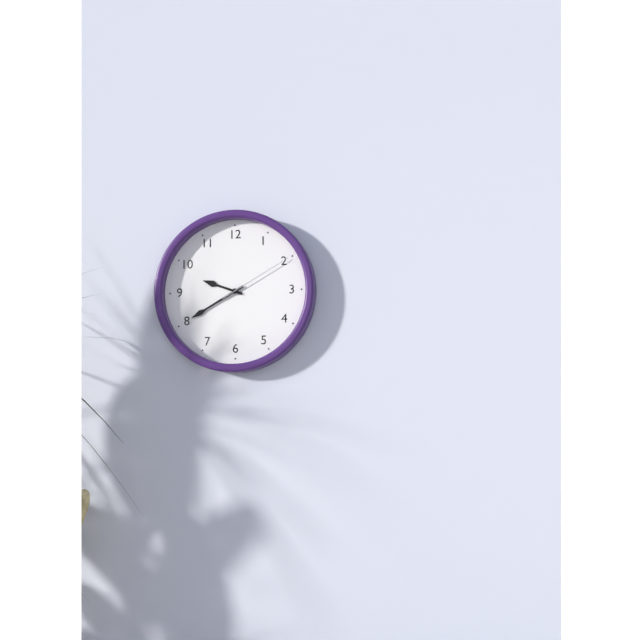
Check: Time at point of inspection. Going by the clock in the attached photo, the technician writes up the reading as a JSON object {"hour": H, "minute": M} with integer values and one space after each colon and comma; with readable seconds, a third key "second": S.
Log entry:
{"hour": 9, "minute": 40, "second": 10}
